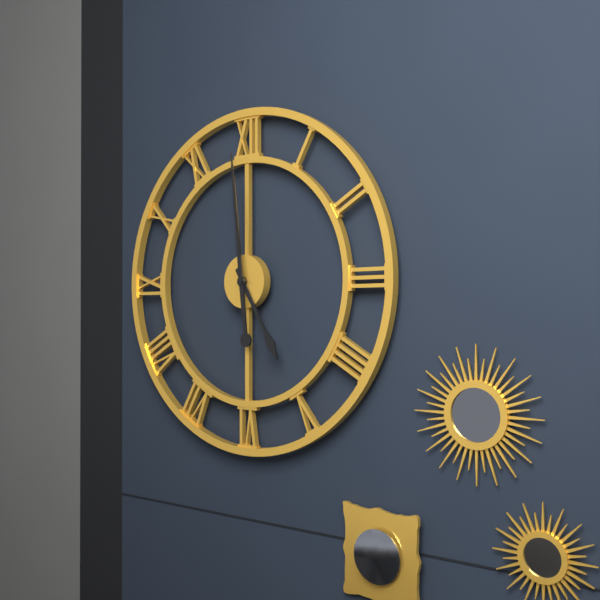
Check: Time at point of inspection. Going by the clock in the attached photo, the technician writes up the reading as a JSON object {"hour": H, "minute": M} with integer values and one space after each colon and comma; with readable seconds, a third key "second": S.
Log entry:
{"hour": 4, "minute": 59}
